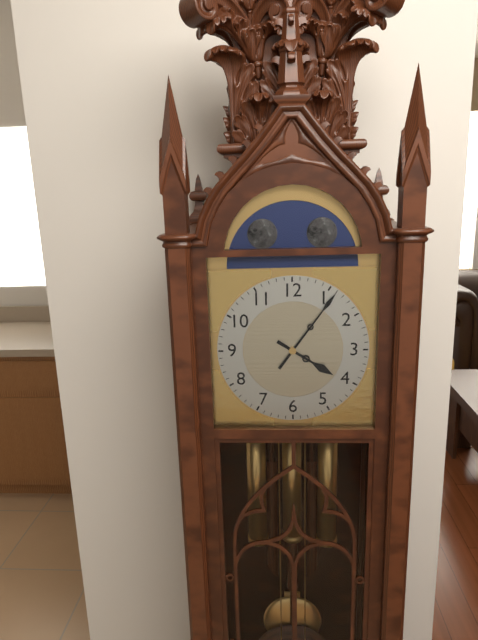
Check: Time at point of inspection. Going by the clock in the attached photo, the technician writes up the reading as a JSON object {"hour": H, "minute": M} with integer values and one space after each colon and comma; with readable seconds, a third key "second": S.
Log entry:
{"hour": 4, "minute": 6}
